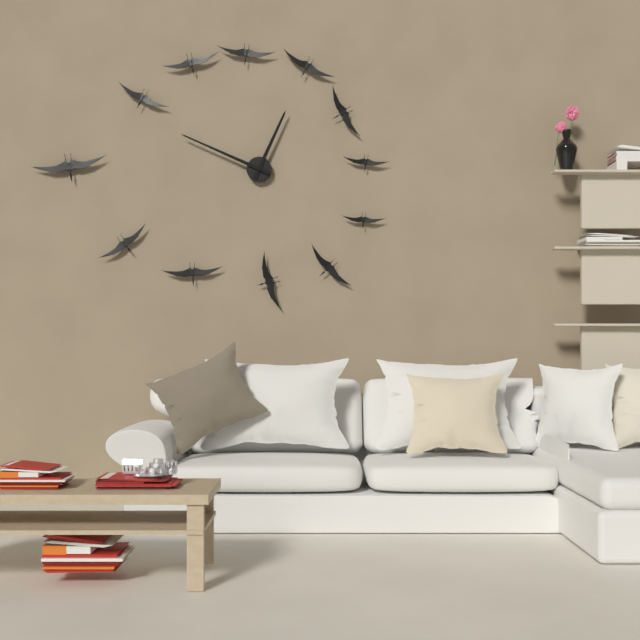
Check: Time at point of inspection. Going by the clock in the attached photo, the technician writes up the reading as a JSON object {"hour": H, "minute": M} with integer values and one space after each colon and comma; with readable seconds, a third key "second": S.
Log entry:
{"hour": 12, "minute": 49}
